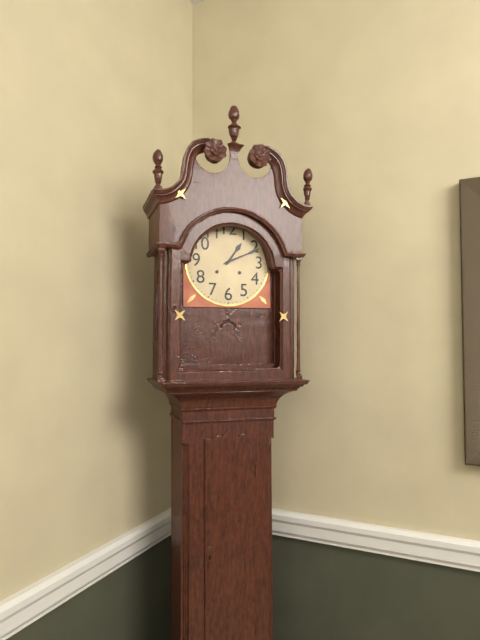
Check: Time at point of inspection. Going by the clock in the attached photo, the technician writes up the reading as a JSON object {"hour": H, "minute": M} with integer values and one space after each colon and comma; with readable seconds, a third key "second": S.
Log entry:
{"hour": 1, "minute": 11}
